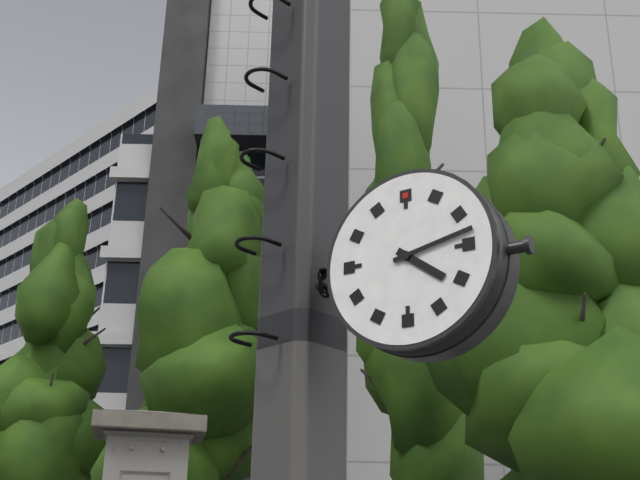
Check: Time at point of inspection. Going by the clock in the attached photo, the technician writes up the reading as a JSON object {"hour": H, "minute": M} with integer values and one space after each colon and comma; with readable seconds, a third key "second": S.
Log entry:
{"hour": 4, "minute": 13}
